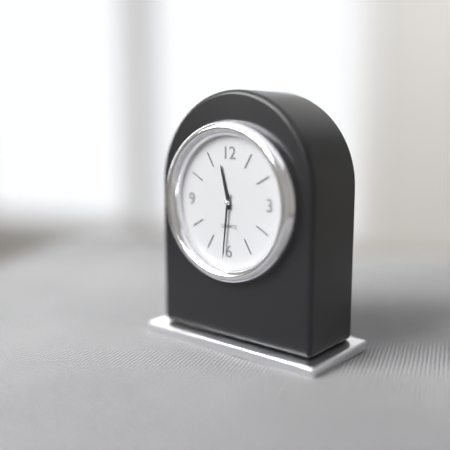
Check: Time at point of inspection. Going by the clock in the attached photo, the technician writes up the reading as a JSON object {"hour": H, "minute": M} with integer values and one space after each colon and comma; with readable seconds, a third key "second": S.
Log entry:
{"hour": 11, "minute": 31}
